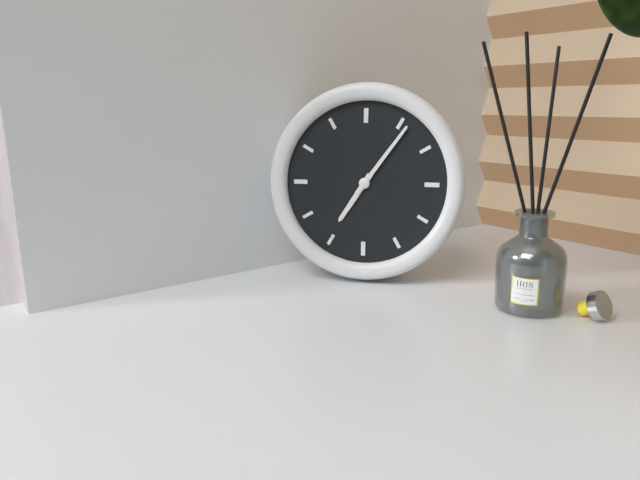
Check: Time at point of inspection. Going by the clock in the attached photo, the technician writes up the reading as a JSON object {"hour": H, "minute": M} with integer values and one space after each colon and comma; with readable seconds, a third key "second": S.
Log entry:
{"hour": 7, "minute": 6}
